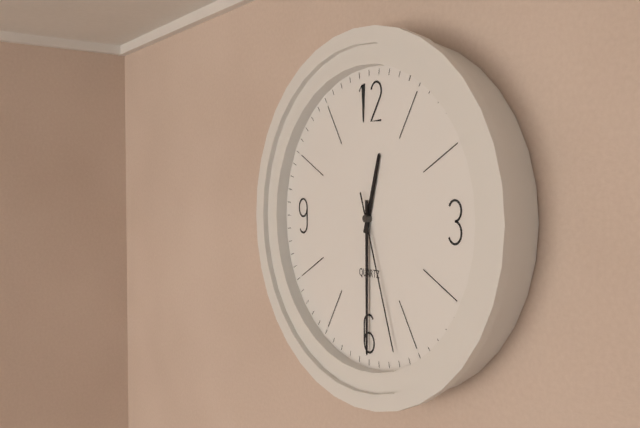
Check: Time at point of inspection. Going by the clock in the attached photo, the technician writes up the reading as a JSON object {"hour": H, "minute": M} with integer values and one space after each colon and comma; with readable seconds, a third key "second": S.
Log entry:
{"hour": 12, "minute": 30, "second": 27}
